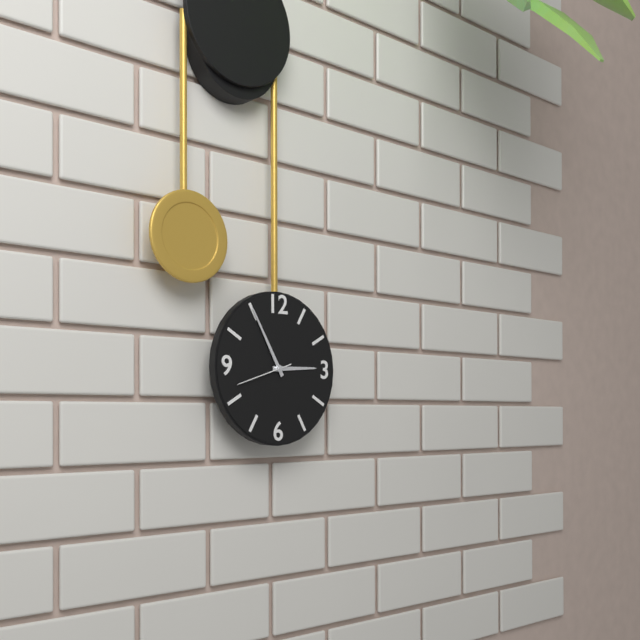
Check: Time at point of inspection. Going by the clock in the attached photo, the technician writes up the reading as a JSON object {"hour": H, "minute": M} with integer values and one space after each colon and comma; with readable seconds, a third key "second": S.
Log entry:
{"hour": 2, "minute": 55, "second": 42}
